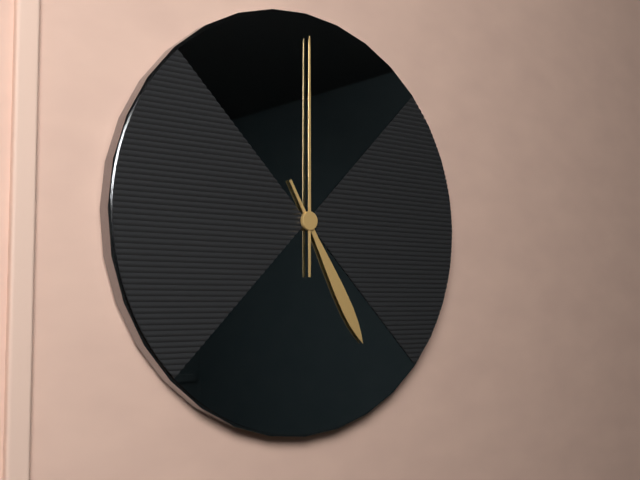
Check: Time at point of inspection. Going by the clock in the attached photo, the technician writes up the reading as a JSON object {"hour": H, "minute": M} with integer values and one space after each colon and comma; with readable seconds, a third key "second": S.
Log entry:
{"hour": 5, "minute": 0}
